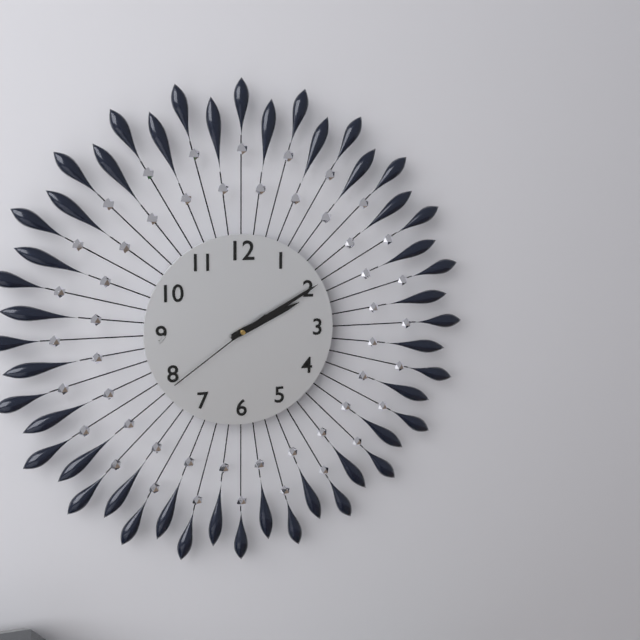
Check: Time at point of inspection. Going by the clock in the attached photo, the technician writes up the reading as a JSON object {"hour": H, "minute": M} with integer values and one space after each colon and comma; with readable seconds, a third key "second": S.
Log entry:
{"hour": 2, "minute": 10, "second": 39}
